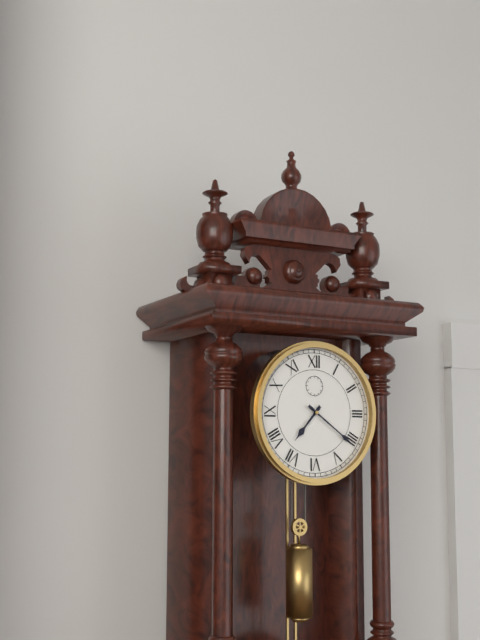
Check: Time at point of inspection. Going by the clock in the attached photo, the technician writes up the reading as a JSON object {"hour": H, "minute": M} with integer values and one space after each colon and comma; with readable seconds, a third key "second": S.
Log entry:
{"hour": 7, "minute": 21}
